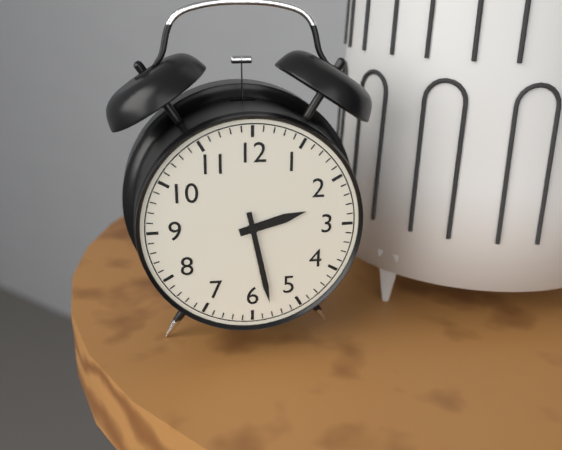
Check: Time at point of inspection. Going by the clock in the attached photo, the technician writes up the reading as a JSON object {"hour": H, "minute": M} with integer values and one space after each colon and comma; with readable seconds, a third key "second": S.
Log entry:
{"hour": 2, "minute": 28}
